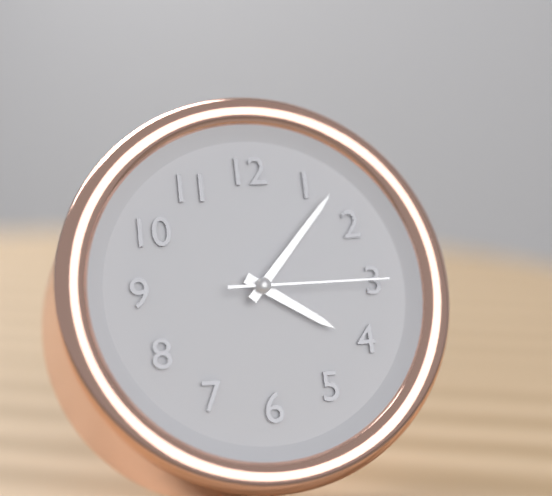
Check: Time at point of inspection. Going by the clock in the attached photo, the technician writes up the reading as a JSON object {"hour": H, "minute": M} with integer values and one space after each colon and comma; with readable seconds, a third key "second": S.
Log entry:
{"hour": 4, "minute": 7, "second": 15}
